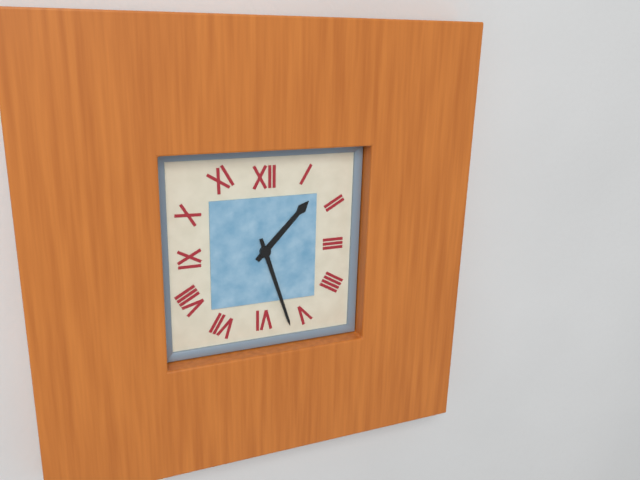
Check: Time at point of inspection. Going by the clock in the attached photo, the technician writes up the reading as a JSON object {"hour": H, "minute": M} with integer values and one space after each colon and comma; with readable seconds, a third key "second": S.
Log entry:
{"hour": 1, "minute": 27}
